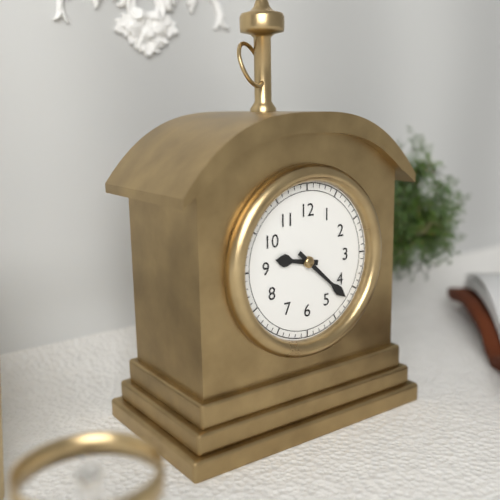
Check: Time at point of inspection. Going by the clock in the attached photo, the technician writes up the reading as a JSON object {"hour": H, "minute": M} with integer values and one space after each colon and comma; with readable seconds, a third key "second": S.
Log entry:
{"hour": 9, "minute": 22}
